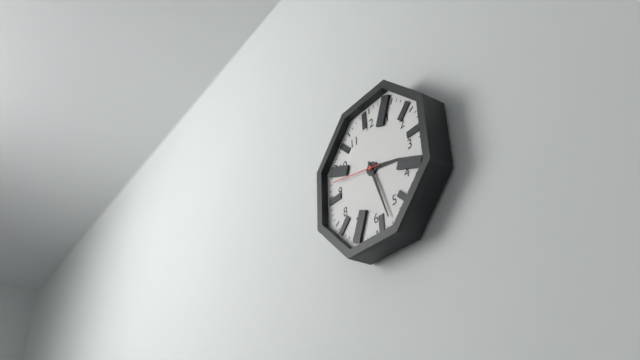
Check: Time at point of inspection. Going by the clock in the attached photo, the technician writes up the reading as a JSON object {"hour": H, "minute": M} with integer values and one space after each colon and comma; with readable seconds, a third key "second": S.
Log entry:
{"hour": 3, "minute": 27, "second": 47}
